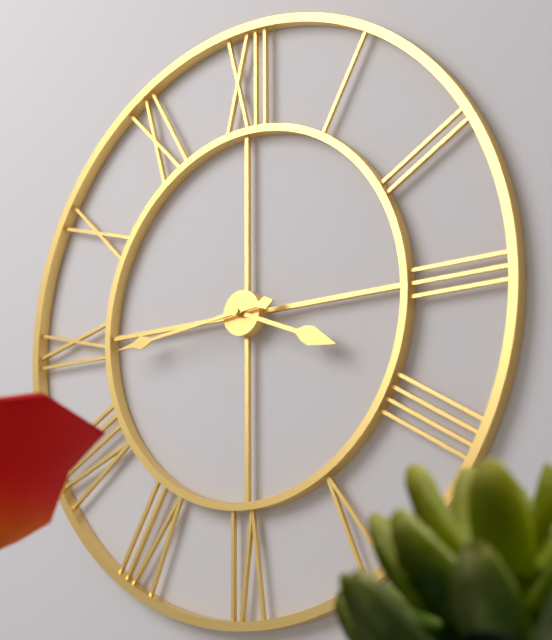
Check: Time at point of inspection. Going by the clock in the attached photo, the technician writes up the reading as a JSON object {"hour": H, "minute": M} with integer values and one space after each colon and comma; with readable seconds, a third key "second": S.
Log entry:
{"hour": 3, "minute": 44}
